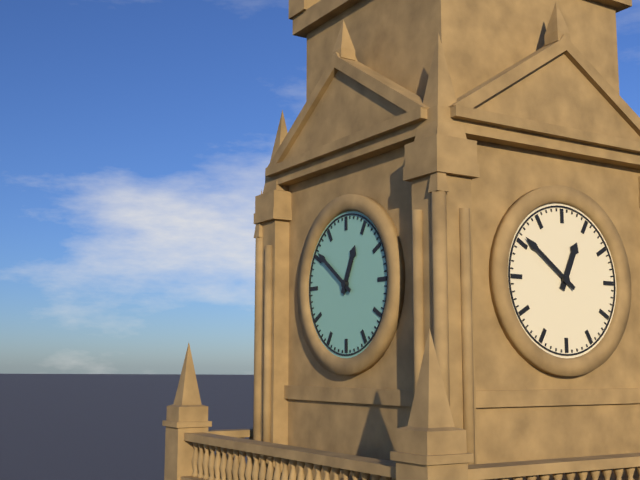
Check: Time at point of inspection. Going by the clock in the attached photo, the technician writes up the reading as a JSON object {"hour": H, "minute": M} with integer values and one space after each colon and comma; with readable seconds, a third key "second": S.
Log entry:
{"hour": 12, "minute": 51}
